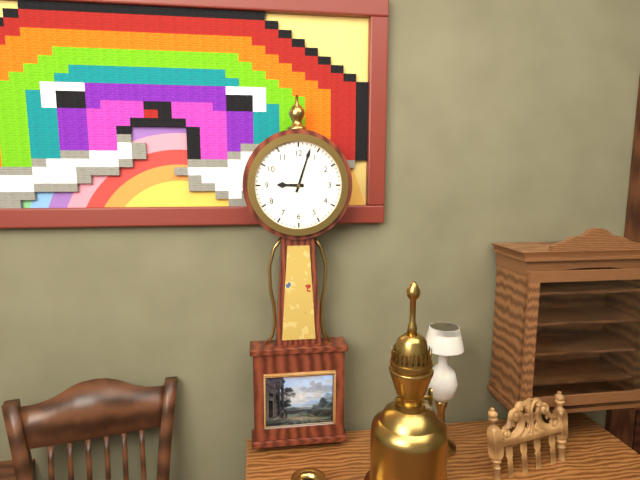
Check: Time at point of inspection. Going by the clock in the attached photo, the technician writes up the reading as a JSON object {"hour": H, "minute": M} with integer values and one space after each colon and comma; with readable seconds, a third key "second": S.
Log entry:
{"hour": 9, "minute": 3}
